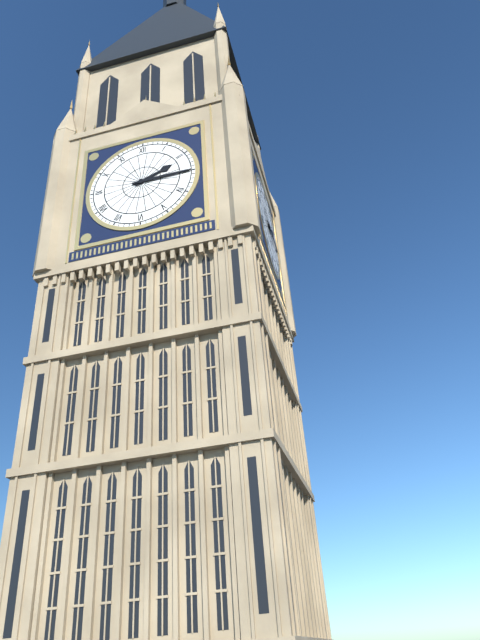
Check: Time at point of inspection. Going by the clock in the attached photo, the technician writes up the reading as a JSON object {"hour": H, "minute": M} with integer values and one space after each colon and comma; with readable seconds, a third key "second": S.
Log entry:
{"hour": 2, "minute": 15}
